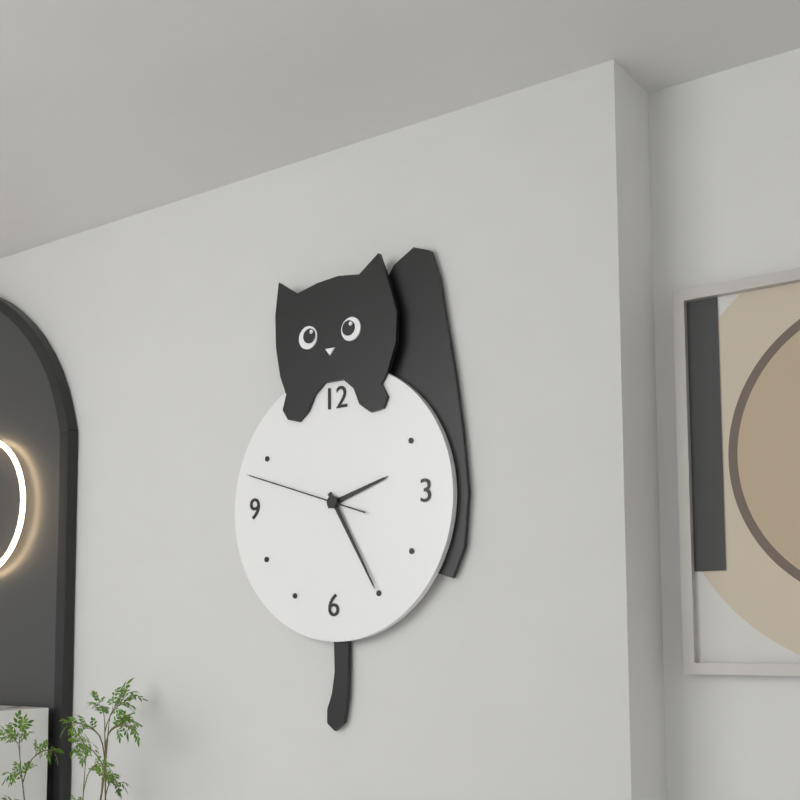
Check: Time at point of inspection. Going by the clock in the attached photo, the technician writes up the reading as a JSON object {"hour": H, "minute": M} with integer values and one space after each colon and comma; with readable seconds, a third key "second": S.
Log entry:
{"hour": 2, "minute": 25, "second": 48}
